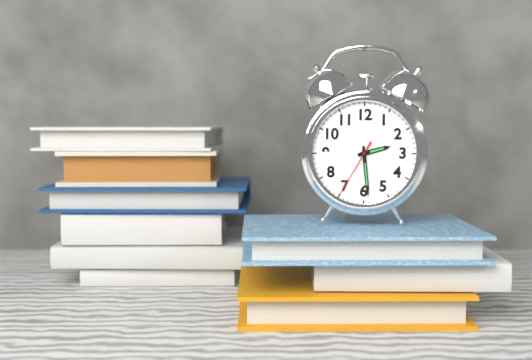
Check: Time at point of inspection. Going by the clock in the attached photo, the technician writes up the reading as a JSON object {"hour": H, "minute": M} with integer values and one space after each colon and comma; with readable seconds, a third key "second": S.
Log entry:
{"hour": 2, "minute": 29, "second": 35}
